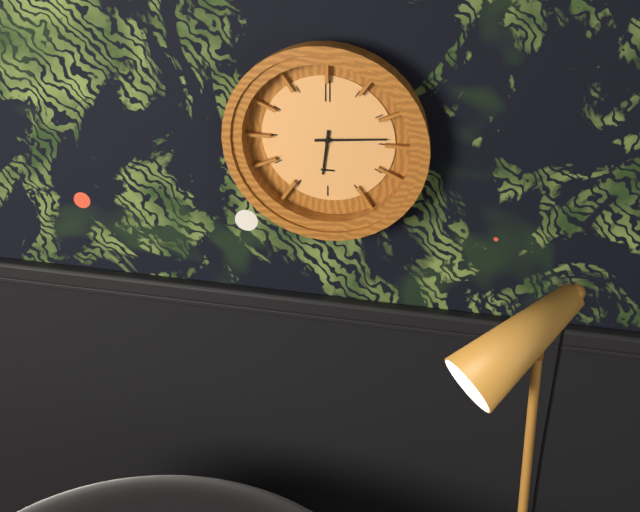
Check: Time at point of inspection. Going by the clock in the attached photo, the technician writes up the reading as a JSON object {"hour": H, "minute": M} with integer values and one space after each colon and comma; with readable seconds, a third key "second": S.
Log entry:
{"hour": 6, "minute": 14}
